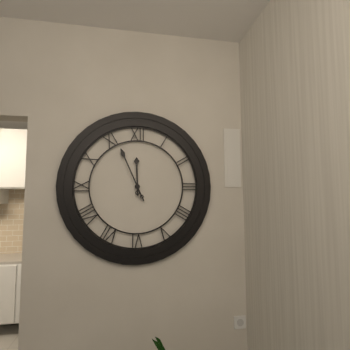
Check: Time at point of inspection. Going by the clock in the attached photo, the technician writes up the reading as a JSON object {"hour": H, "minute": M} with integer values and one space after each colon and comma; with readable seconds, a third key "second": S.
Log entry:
{"hour": 11, "minute": 56}
